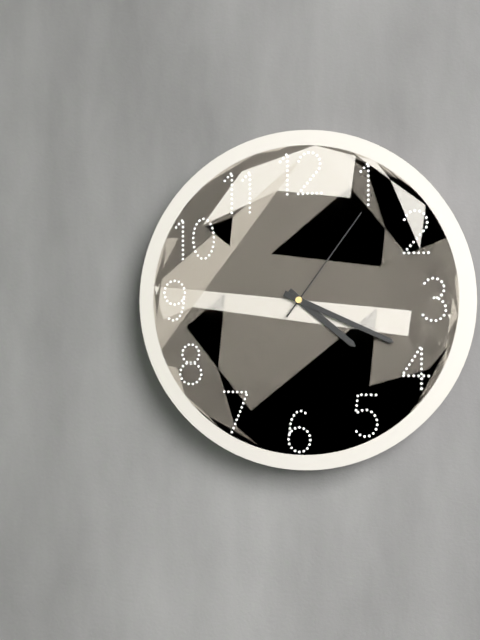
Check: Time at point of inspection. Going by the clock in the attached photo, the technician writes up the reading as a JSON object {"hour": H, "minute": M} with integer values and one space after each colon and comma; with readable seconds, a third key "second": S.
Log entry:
{"hour": 4, "minute": 19, "second": 6}
